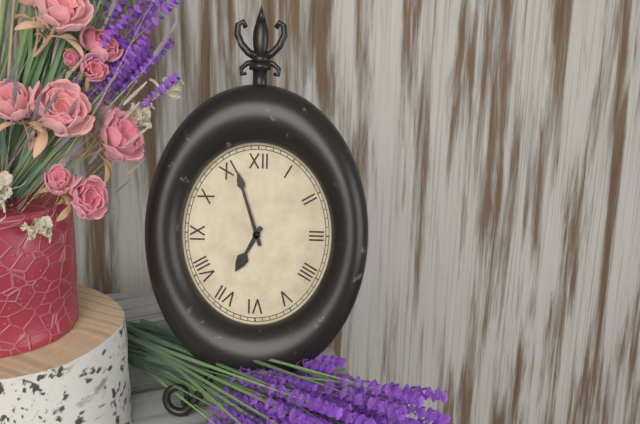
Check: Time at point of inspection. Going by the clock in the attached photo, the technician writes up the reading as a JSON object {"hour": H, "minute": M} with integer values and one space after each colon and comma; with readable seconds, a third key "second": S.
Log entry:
{"hour": 6, "minute": 57}
